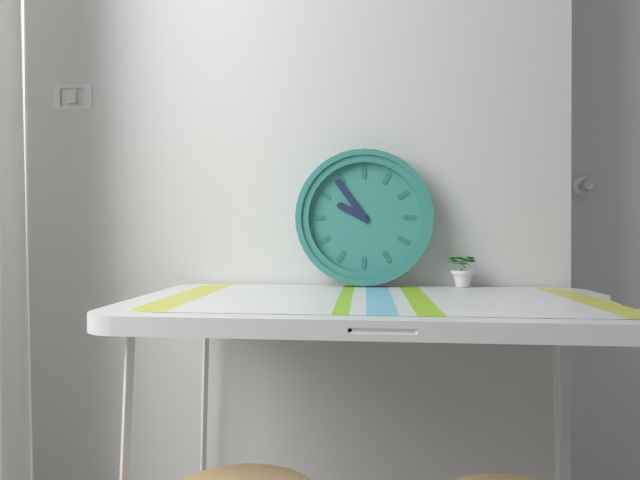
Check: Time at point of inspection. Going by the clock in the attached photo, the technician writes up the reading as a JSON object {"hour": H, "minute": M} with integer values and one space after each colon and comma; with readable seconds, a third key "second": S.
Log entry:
{"hour": 9, "minute": 54}
